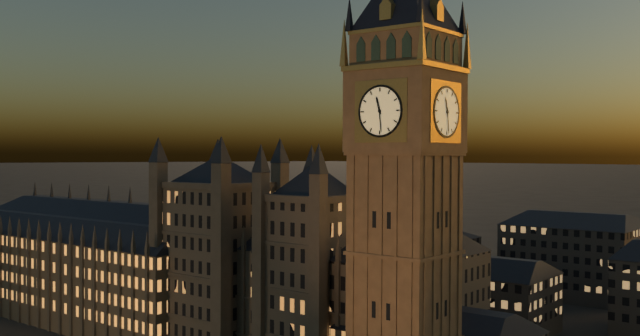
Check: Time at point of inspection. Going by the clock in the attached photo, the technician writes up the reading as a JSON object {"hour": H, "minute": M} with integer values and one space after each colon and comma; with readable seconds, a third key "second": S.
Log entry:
{"hour": 11, "minute": 29}
